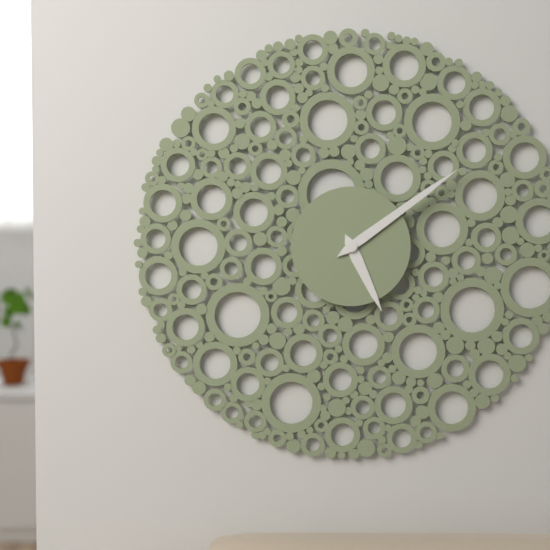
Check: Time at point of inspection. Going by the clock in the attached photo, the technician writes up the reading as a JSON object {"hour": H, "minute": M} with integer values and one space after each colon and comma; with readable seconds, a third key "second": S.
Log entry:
{"hour": 5, "minute": 9}
